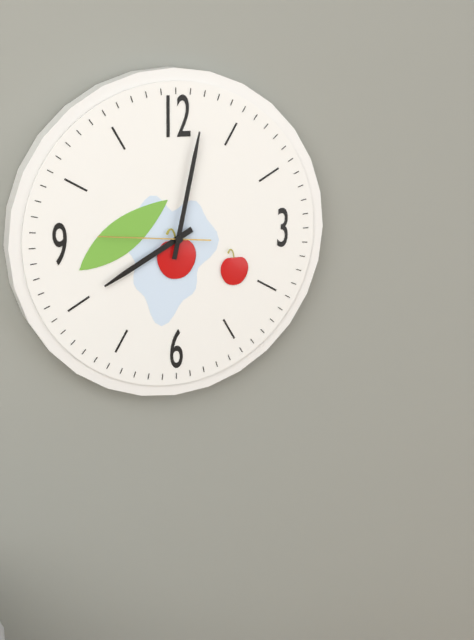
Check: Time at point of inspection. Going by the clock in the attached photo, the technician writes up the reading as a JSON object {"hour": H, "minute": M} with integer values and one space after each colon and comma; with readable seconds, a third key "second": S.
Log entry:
{"hour": 8, "minute": 2, "second": 46}
